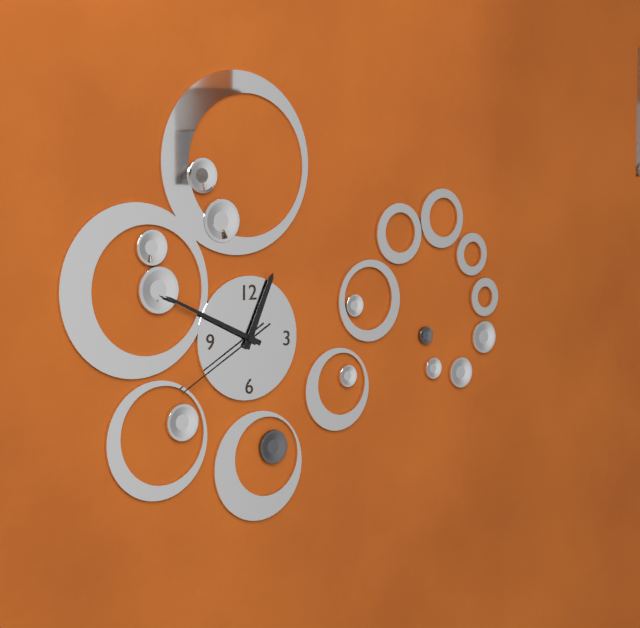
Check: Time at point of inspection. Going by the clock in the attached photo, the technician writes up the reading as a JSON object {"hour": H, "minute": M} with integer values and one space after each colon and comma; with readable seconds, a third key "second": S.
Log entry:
{"hour": 12, "minute": 49, "second": 40}
